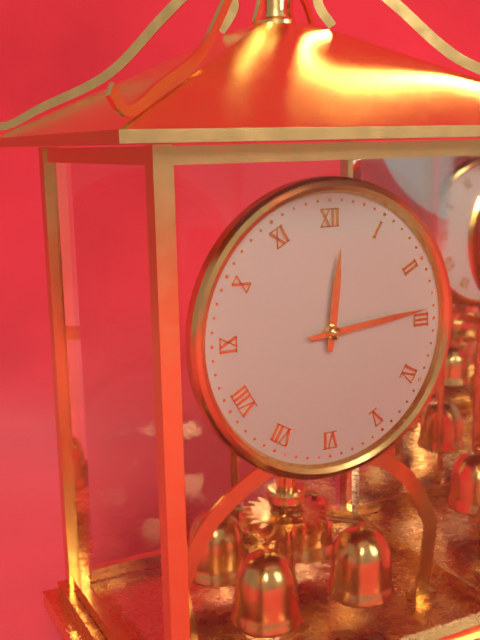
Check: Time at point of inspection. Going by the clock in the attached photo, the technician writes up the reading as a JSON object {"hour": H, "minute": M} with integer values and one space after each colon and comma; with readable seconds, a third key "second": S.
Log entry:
{"hour": 12, "minute": 14}
